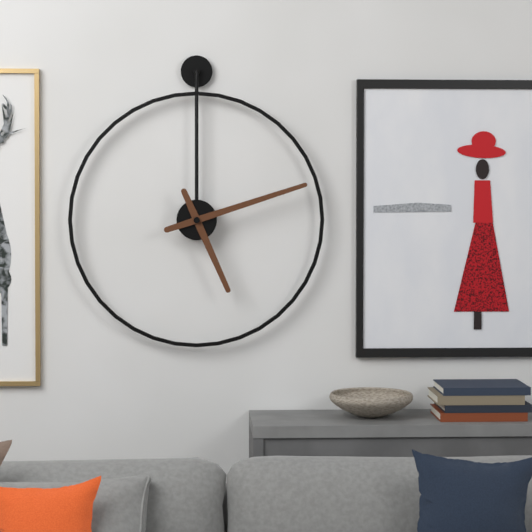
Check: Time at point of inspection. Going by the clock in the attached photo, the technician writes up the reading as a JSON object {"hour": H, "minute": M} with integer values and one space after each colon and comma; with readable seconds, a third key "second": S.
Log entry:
{"hour": 5, "minute": 12}
